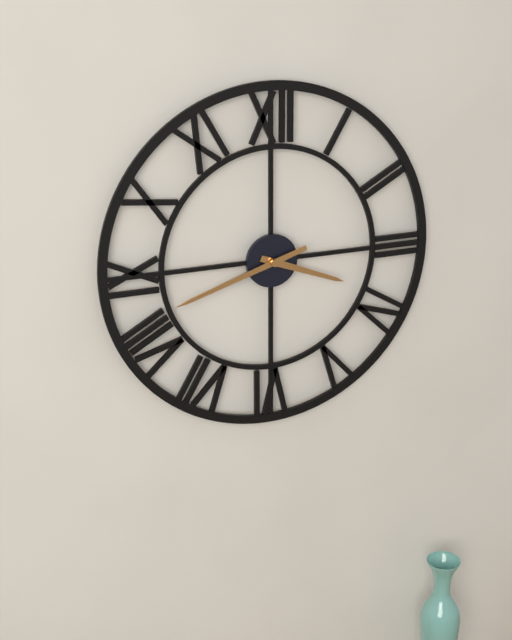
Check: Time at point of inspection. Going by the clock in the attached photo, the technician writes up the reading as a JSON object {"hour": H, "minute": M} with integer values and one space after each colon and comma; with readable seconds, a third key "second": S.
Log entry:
{"hour": 3, "minute": 42}
